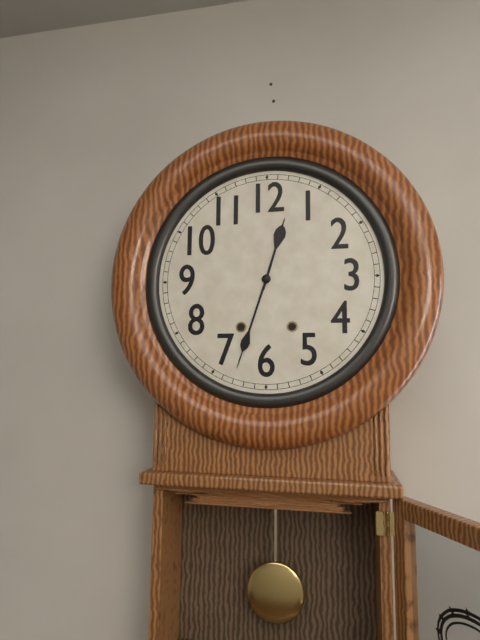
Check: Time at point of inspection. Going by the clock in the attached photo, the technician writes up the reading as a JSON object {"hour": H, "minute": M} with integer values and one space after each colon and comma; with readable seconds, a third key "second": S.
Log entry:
{"hour": 12, "minute": 33}
